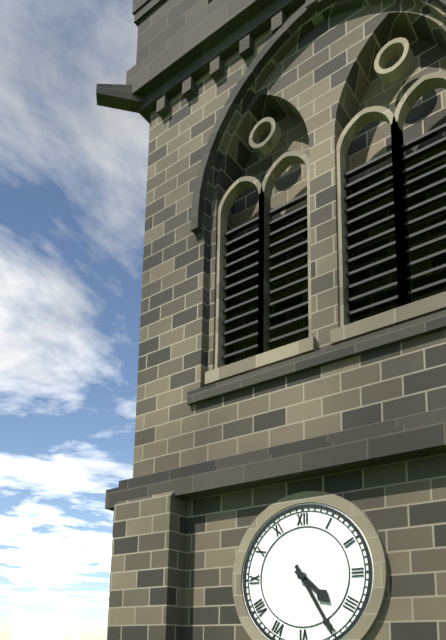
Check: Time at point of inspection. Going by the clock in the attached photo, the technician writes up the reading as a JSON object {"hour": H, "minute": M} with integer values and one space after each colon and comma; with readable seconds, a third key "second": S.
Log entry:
{"hour": 4, "minute": 25}
